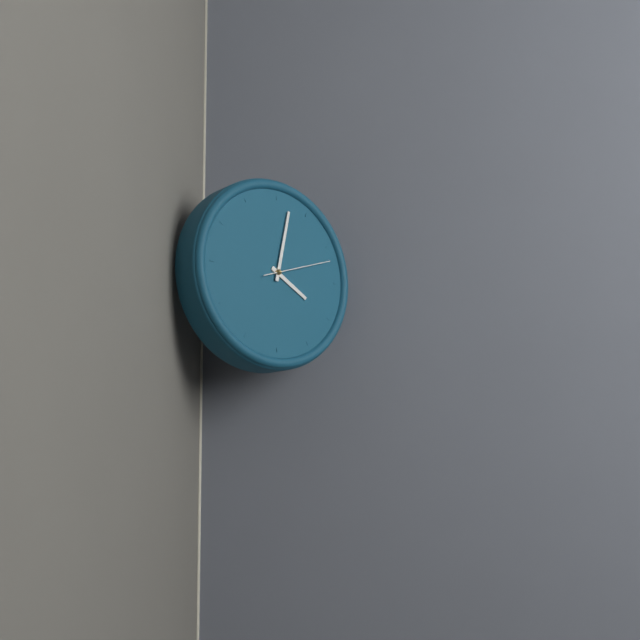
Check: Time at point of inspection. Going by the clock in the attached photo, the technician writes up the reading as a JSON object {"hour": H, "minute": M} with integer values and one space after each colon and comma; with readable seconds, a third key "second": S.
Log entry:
{"hour": 4, "minute": 2, "second": 12}
